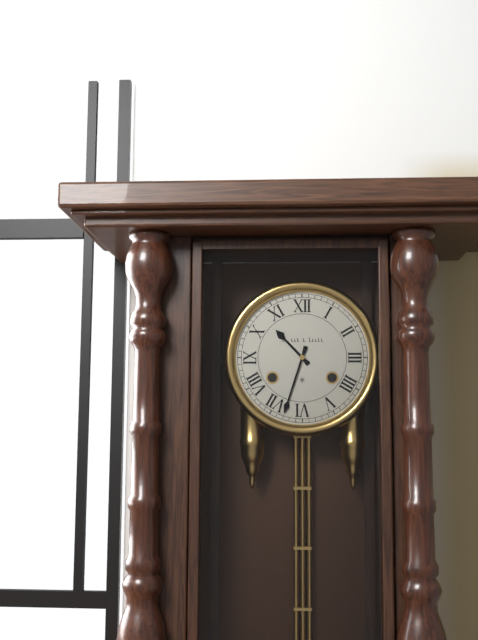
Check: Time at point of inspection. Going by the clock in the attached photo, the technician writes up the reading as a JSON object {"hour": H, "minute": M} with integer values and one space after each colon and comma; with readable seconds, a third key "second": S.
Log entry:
{"hour": 10, "minute": 33}
